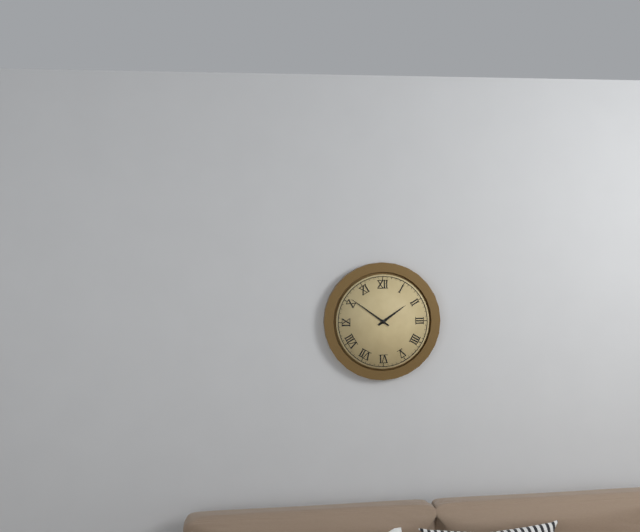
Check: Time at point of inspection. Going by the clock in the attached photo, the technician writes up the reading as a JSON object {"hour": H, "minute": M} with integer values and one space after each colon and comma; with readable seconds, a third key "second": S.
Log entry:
{"hour": 1, "minute": 51}
